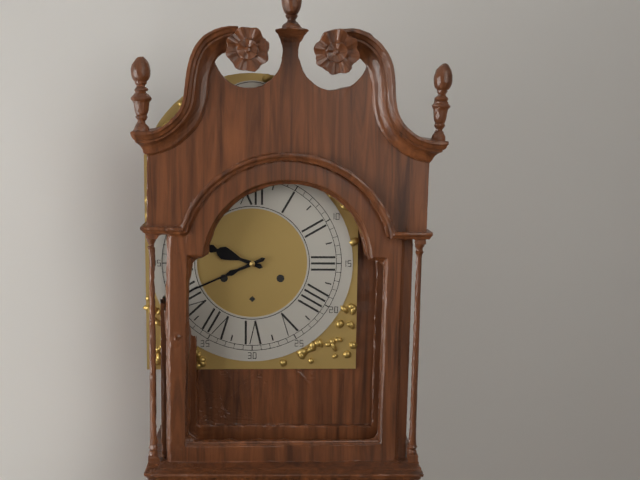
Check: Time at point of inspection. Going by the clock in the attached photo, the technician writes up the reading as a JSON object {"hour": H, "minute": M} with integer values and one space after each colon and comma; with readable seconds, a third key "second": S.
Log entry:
{"hour": 9, "minute": 41}
